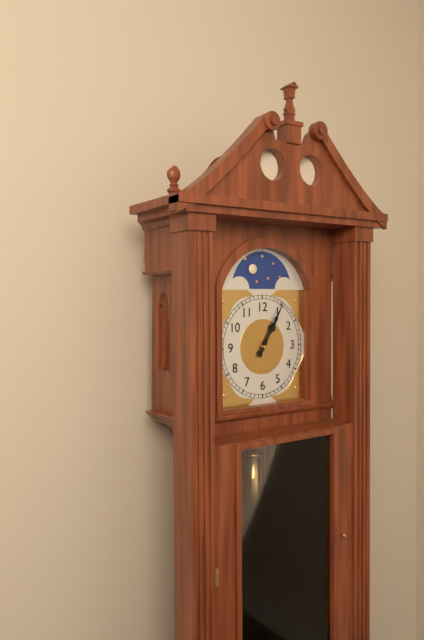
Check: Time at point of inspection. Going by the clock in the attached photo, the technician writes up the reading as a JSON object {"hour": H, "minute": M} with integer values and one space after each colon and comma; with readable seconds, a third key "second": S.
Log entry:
{"hour": 1, "minute": 5}
